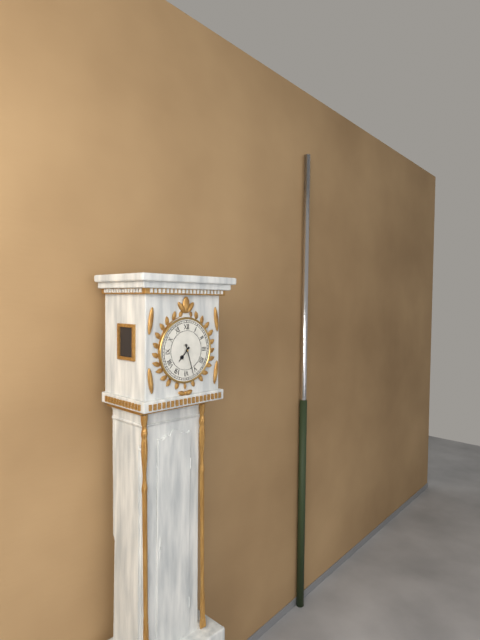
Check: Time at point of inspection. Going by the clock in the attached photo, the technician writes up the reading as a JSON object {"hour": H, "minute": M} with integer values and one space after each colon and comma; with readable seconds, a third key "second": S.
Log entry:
{"hour": 7, "minute": 27}
